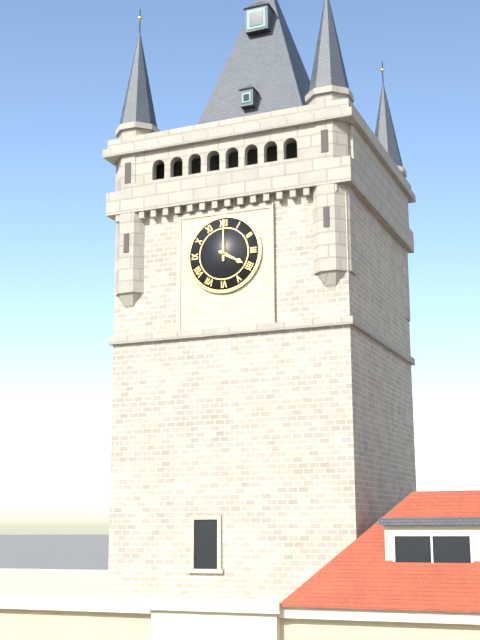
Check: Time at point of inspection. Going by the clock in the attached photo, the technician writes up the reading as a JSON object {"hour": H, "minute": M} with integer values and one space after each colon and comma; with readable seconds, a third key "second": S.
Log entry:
{"hour": 4, "minute": 0}
